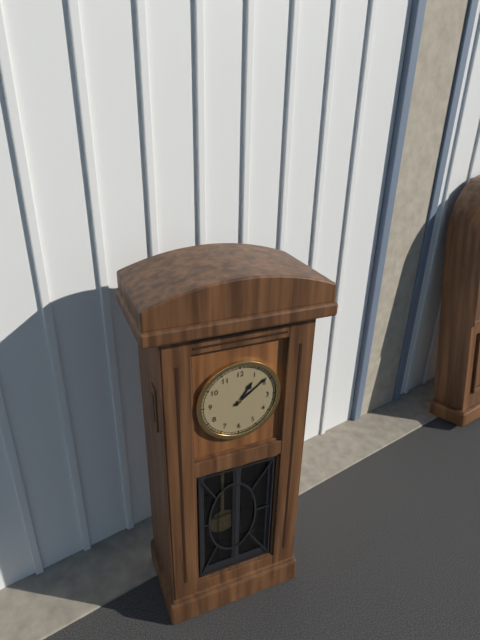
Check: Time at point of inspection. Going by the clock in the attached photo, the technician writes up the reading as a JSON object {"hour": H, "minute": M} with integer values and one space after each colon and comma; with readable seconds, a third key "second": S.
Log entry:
{"hour": 1, "minute": 9}
